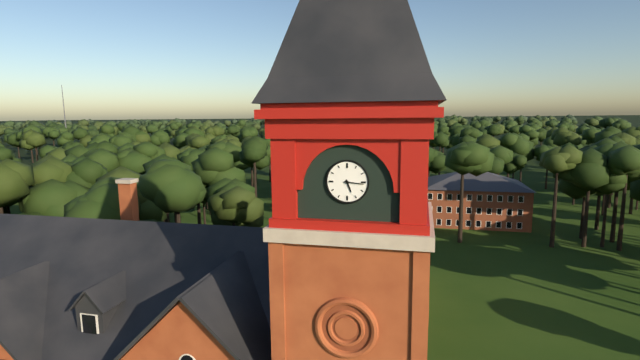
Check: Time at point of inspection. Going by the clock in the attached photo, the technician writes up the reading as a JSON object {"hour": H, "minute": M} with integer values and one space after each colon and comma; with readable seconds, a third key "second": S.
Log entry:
{"hour": 5, "minute": 16}
